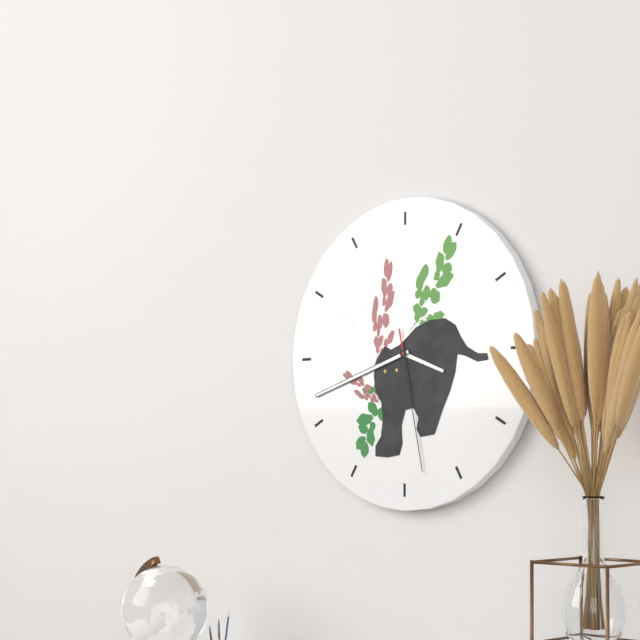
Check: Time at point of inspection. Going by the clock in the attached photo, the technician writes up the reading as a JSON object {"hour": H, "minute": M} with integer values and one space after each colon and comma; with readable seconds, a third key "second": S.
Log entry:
{"hour": 3, "minute": 42, "second": 28}
